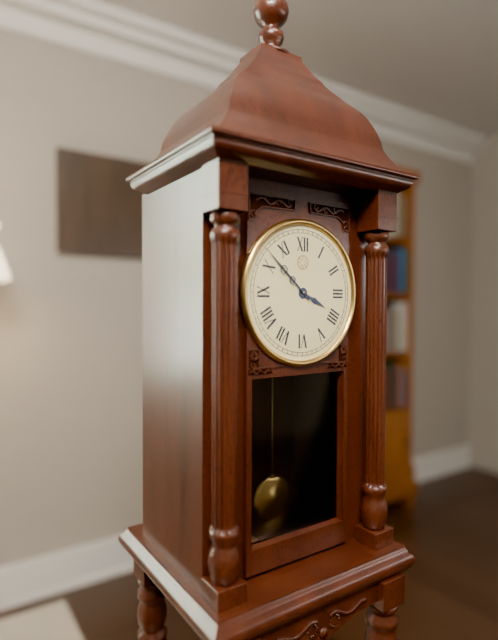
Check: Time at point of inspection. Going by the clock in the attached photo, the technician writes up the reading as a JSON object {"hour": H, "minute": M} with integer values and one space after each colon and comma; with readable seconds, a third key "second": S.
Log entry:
{"hour": 3, "minute": 52}
